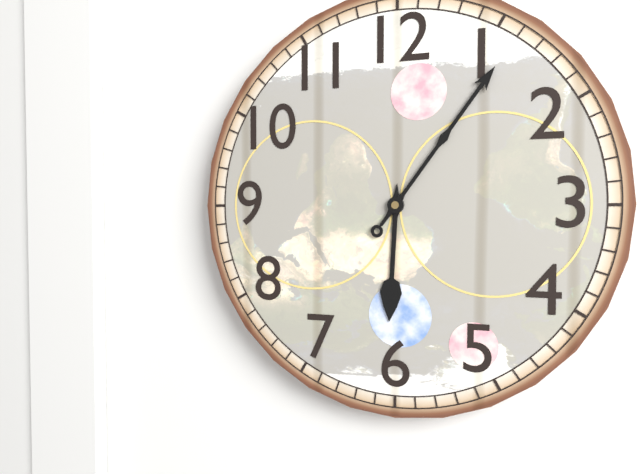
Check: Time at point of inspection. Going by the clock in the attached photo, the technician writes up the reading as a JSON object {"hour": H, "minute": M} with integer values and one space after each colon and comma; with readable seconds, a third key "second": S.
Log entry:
{"hour": 6, "minute": 6}
